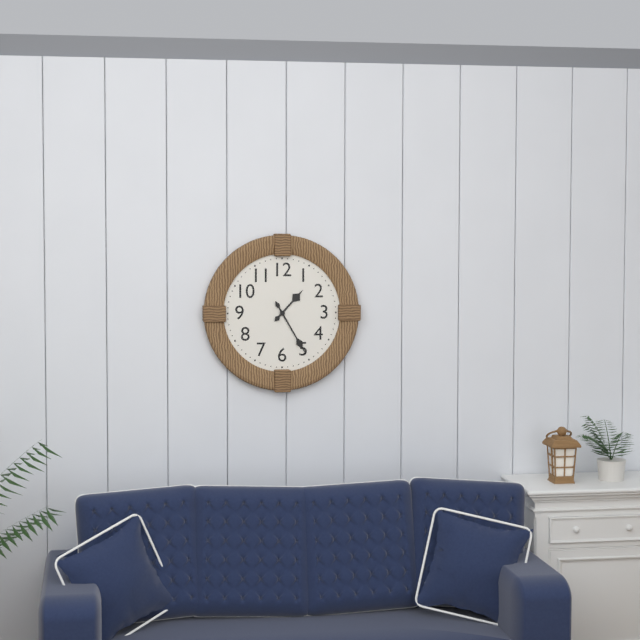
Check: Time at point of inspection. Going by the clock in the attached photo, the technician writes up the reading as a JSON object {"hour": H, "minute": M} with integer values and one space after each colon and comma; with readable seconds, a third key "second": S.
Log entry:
{"hour": 1, "minute": 25}
